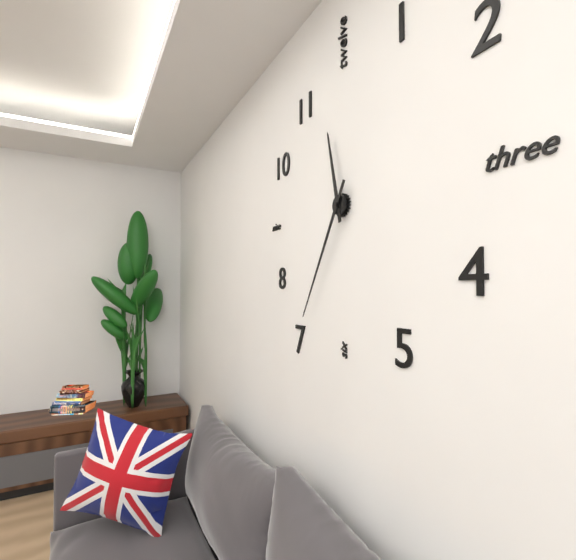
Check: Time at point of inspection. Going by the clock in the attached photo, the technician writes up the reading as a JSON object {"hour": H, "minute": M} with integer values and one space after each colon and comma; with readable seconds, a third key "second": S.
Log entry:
{"hour": 11, "minute": 35}
